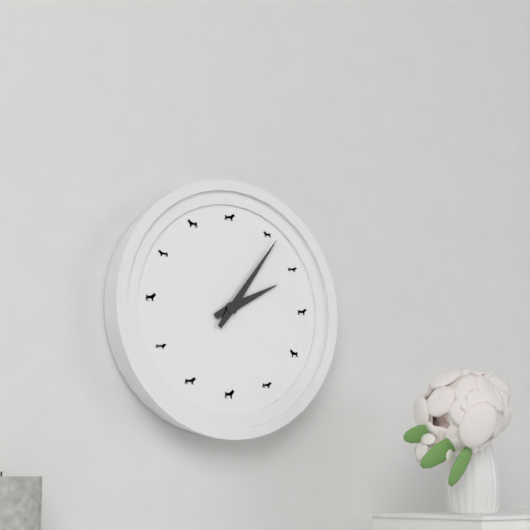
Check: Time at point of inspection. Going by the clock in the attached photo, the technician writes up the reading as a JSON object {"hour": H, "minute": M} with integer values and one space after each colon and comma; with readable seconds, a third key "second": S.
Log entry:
{"hour": 2, "minute": 6}
